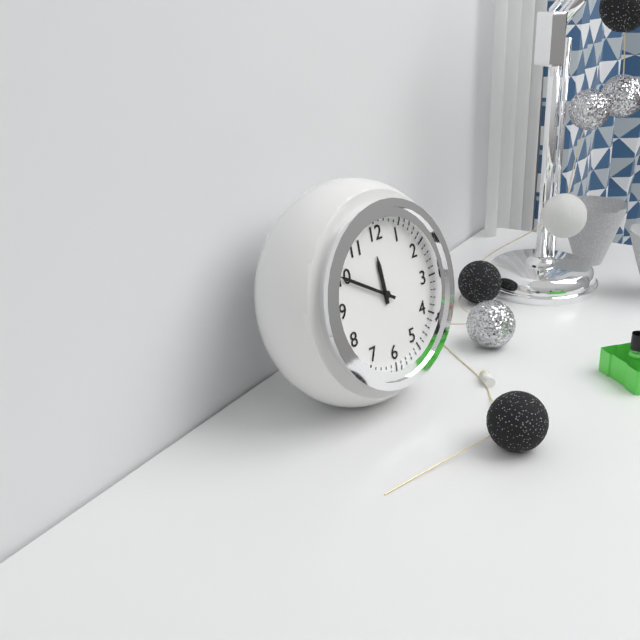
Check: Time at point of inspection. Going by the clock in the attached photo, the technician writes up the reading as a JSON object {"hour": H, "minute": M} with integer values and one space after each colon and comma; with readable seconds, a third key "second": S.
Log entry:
{"hour": 11, "minute": 50}
